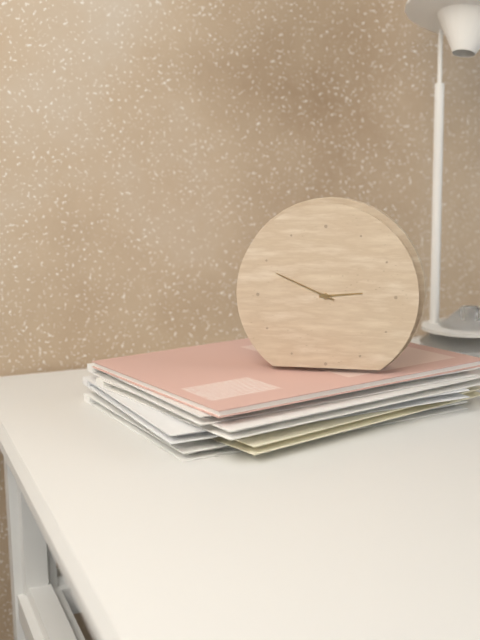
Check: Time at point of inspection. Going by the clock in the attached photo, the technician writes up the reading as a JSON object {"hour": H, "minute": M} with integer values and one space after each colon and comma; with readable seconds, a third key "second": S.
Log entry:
{"hour": 2, "minute": 49}
